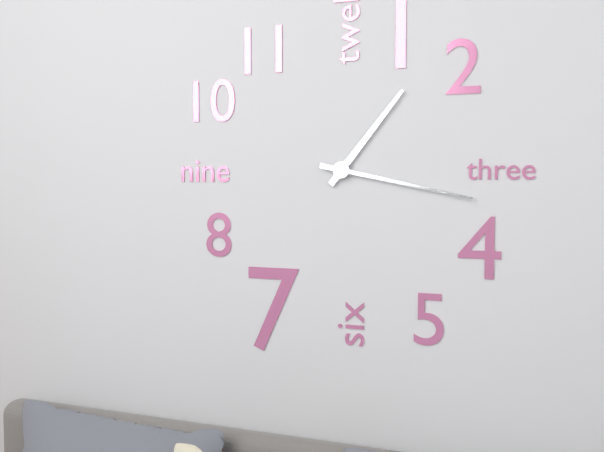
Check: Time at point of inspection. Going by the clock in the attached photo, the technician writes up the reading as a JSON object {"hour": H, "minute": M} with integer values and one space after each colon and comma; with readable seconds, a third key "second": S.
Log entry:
{"hour": 1, "minute": 17}
